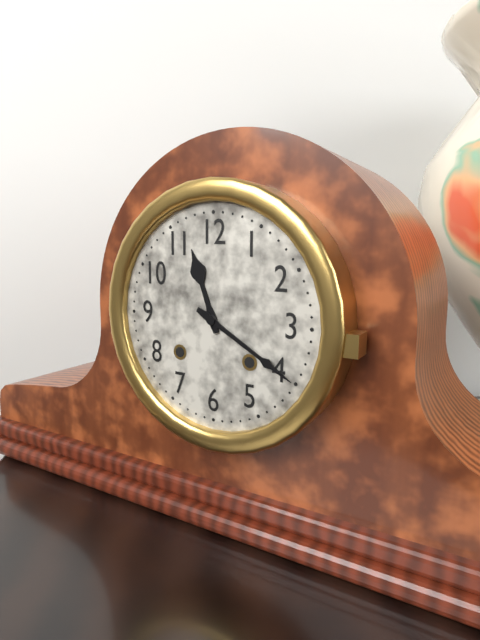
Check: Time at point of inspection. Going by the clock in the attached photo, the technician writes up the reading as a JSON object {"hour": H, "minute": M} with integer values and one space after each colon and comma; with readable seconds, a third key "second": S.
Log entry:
{"hour": 11, "minute": 20}
